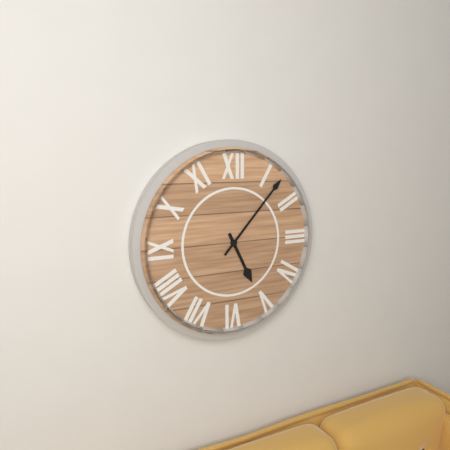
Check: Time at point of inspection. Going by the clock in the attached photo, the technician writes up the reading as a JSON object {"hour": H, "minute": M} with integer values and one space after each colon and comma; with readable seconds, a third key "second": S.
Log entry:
{"hour": 5, "minute": 7}
